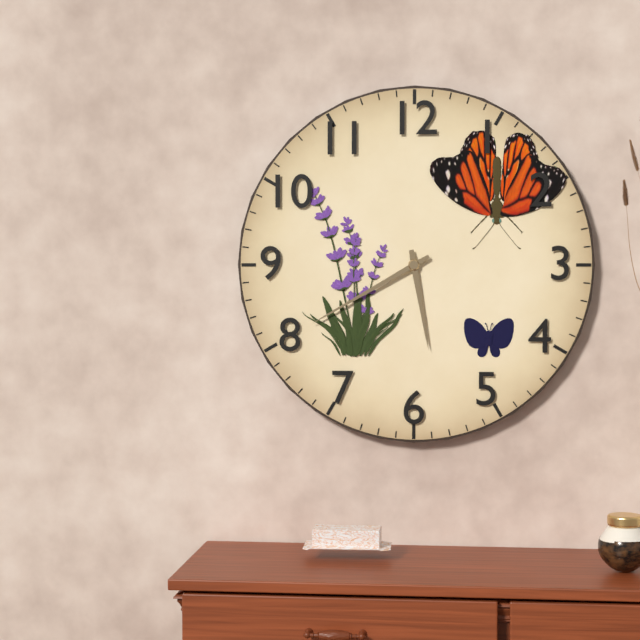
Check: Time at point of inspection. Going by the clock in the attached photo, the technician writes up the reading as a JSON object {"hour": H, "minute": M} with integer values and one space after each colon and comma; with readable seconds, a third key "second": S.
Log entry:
{"hour": 5, "minute": 40}
